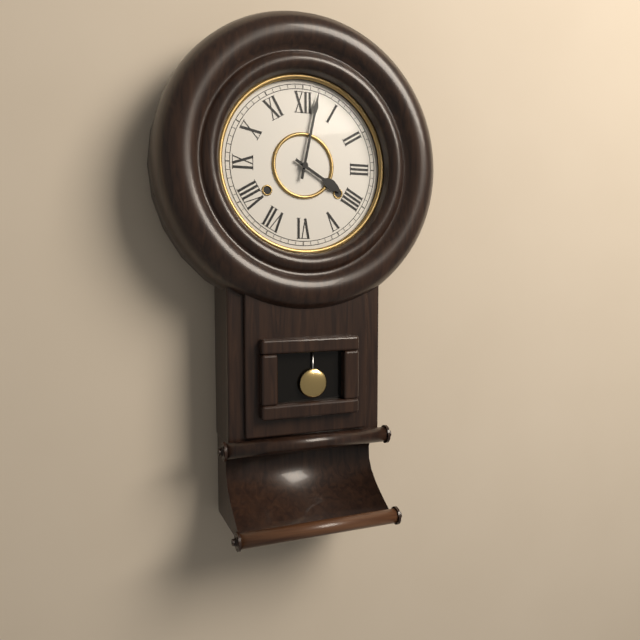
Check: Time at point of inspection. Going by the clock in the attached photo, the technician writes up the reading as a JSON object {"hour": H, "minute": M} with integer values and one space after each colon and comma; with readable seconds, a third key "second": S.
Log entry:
{"hour": 4, "minute": 2}
